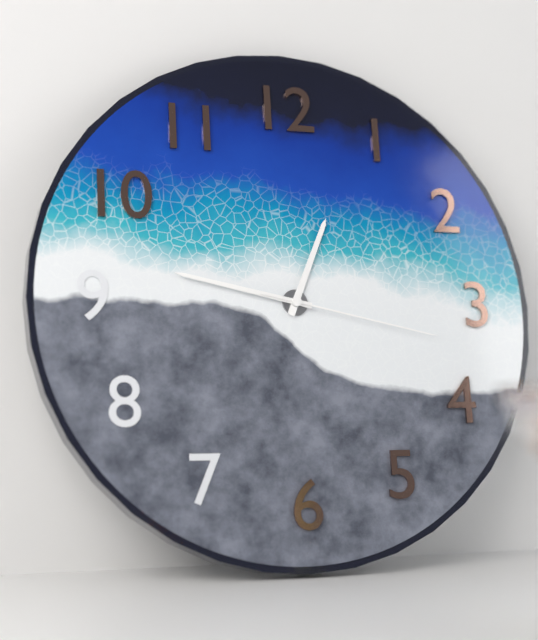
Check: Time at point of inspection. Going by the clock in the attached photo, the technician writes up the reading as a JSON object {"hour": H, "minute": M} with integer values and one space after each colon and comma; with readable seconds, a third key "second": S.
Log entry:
{"hour": 12, "minute": 47, "second": 17}
